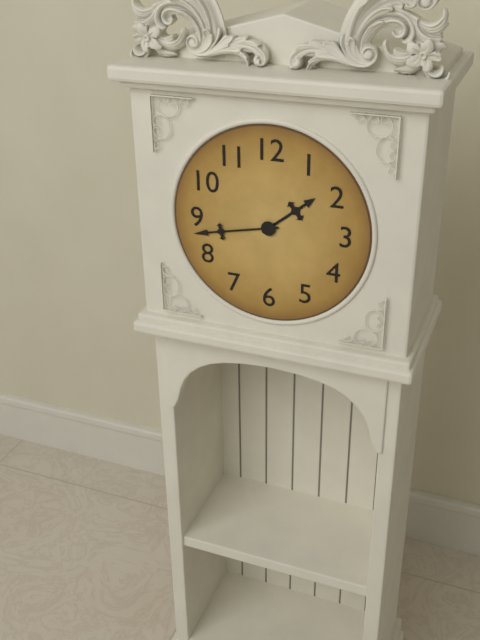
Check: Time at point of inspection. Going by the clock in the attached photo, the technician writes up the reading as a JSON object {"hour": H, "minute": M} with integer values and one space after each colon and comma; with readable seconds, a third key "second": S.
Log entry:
{"hour": 1, "minute": 43}
